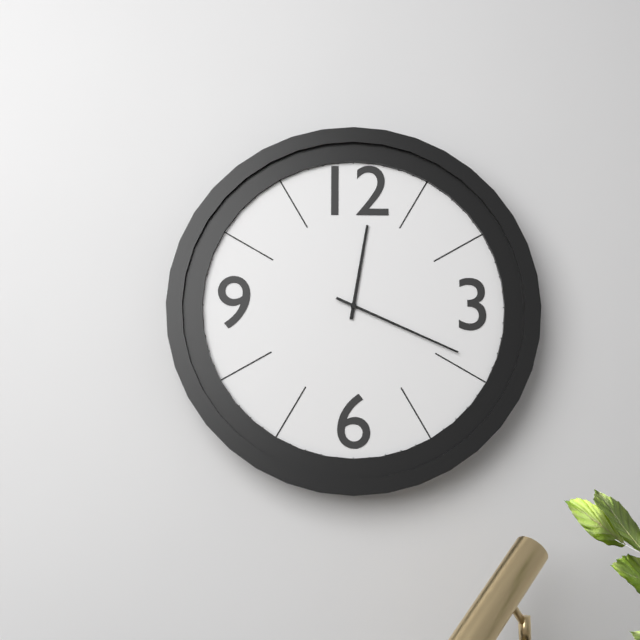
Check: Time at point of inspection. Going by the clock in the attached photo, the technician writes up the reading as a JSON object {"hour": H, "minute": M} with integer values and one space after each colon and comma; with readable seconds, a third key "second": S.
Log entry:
{"hour": 12, "minute": 19}
